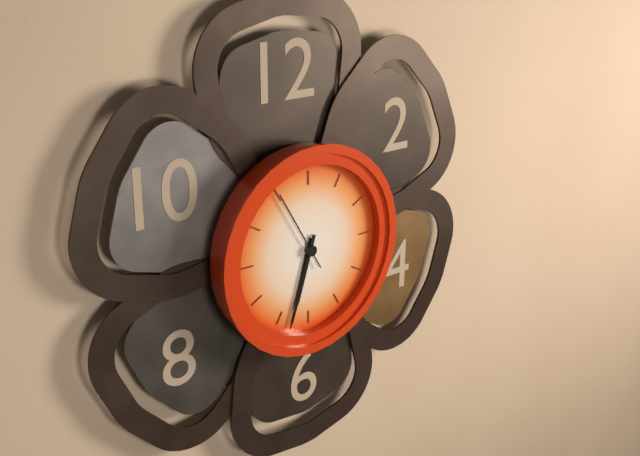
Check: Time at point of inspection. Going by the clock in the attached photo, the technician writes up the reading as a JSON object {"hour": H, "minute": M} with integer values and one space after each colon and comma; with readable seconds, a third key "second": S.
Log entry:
{"hour": 6, "minute": 33, "second": 55}
